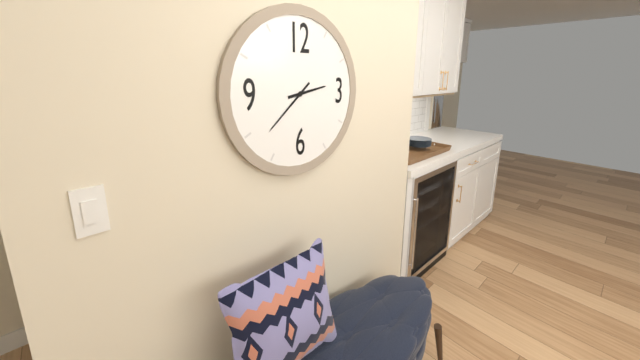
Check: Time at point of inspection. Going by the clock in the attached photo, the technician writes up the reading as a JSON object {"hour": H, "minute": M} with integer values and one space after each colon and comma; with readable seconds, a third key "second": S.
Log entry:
{"hour": 2, "minute": 38}
